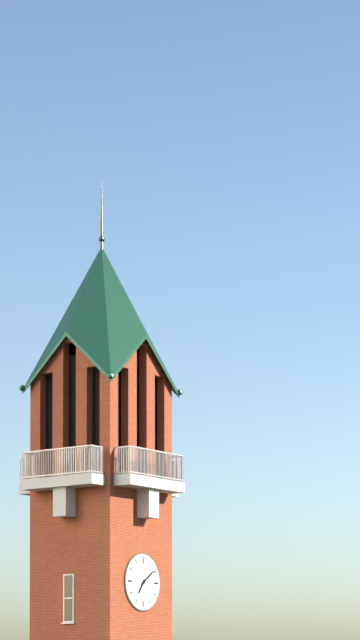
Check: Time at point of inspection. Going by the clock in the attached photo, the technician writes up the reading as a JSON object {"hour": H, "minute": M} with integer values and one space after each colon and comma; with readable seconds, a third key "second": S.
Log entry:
{"hour": 7, "minute": 9}
